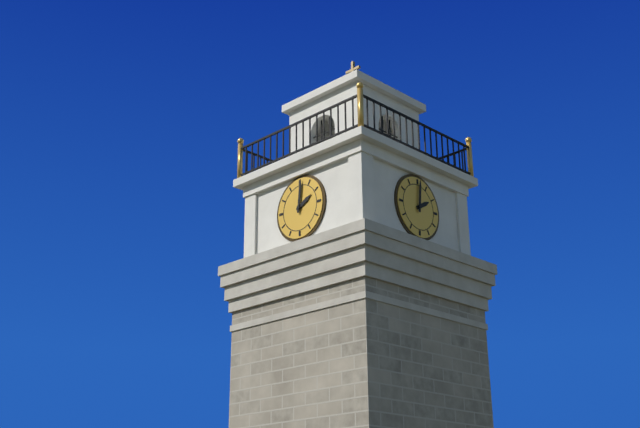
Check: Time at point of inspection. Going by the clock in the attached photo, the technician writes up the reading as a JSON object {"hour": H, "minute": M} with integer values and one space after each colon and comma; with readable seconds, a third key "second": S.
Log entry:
{"hour": 2, "minute": 1}
